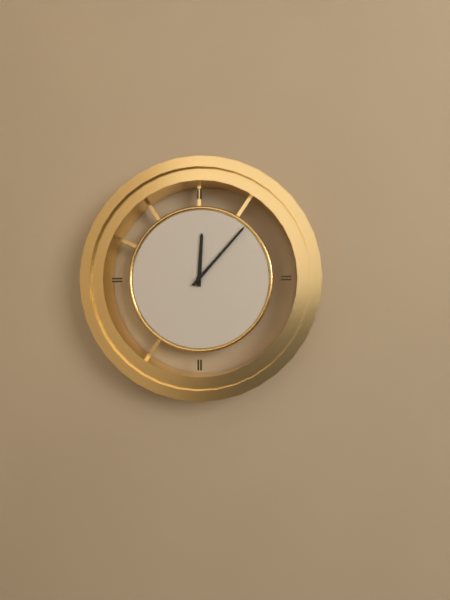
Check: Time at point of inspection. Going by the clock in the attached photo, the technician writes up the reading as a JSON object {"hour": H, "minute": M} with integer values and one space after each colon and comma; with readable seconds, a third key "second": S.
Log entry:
{"hour": 12, "minute": 7}
